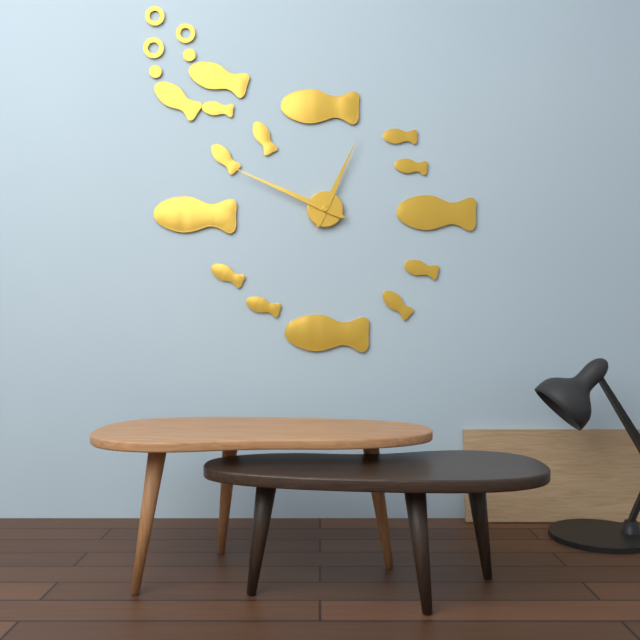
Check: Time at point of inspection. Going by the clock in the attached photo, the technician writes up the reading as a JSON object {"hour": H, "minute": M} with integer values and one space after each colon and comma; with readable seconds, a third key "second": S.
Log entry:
{"hour": 12, "minute": 49}
